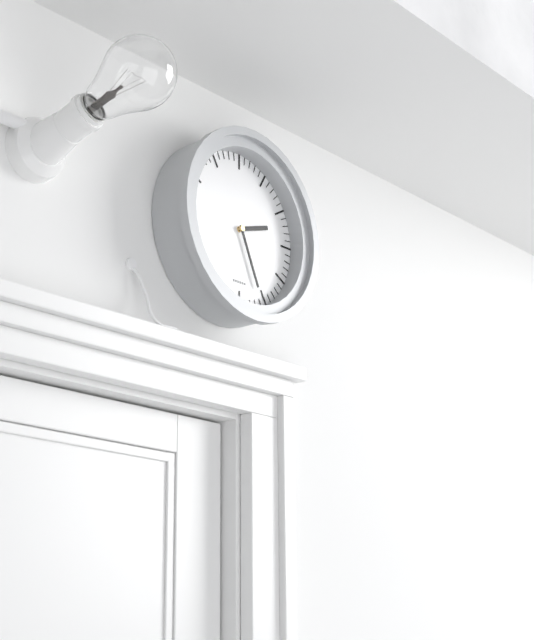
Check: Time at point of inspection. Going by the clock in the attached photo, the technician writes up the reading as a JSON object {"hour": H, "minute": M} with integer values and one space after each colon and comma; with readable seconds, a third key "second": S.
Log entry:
{"hour": 2, "minute": 26}
